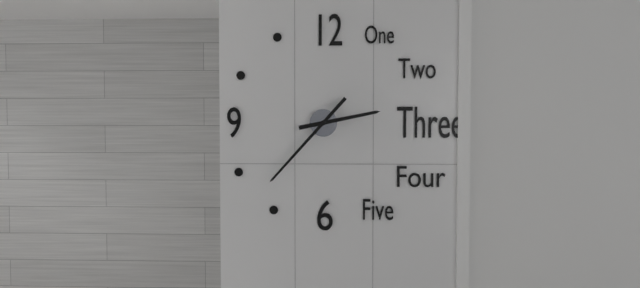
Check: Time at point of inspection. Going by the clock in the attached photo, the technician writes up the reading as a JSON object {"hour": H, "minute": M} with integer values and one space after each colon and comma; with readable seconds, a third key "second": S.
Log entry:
{"hour": 2, "minute": 37}
